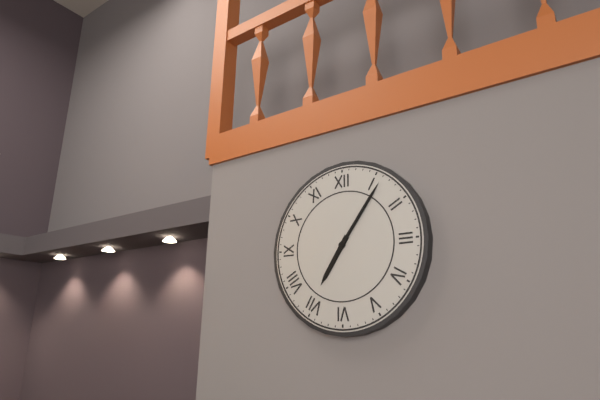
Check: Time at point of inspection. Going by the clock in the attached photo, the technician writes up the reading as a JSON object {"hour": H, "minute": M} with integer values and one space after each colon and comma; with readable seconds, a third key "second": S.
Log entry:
{"hour": 7, "minute": 6}
